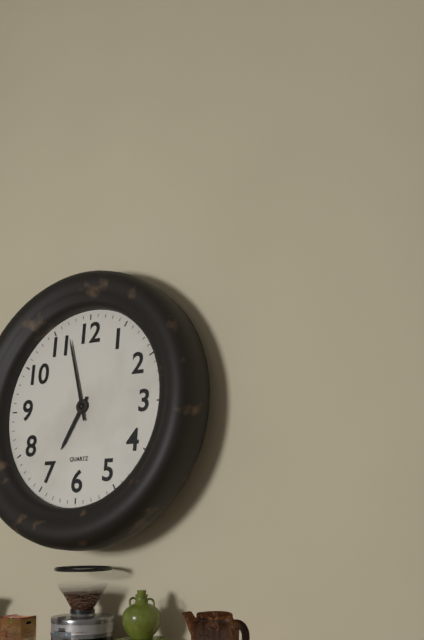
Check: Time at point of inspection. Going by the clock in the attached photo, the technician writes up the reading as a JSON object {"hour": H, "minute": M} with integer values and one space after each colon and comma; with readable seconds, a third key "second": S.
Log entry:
{"hour": 6, "minute": 57}
